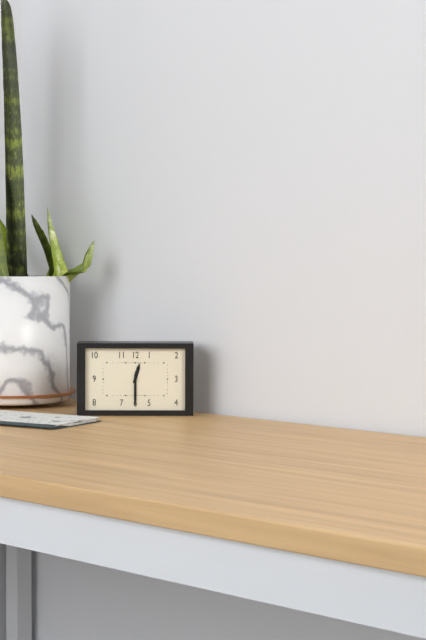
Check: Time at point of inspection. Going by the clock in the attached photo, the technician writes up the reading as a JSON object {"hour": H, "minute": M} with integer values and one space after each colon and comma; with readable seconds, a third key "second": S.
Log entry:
{"hour": 12, "minute": 30}
